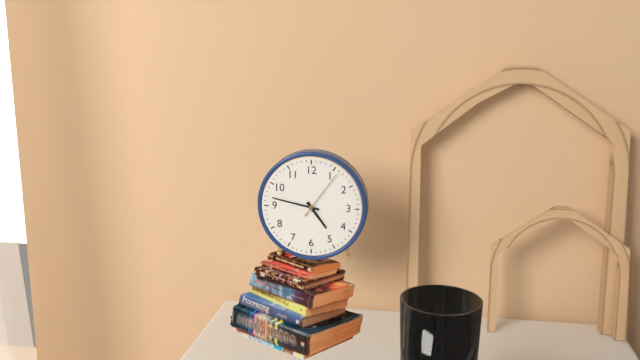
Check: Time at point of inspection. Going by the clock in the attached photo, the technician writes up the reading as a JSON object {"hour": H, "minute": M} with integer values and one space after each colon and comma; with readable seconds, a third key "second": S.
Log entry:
{"hour": 4, "minute": 47, "second": 6}
